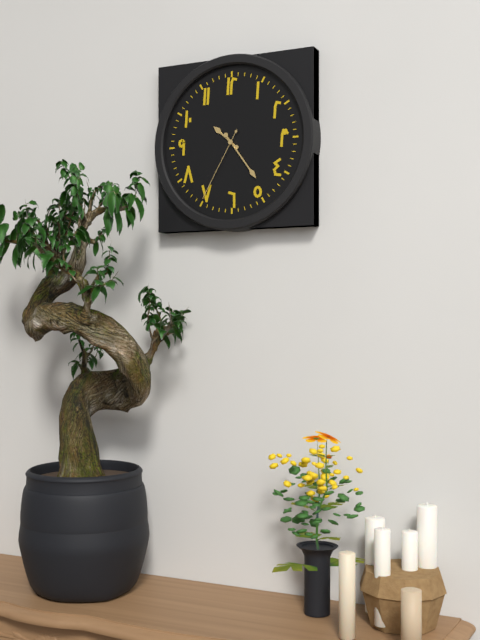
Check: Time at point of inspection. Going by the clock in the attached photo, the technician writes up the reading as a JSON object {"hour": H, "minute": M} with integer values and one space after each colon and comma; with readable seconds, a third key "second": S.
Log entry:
{"hour": 10, "minute": 24, "second": 35}
